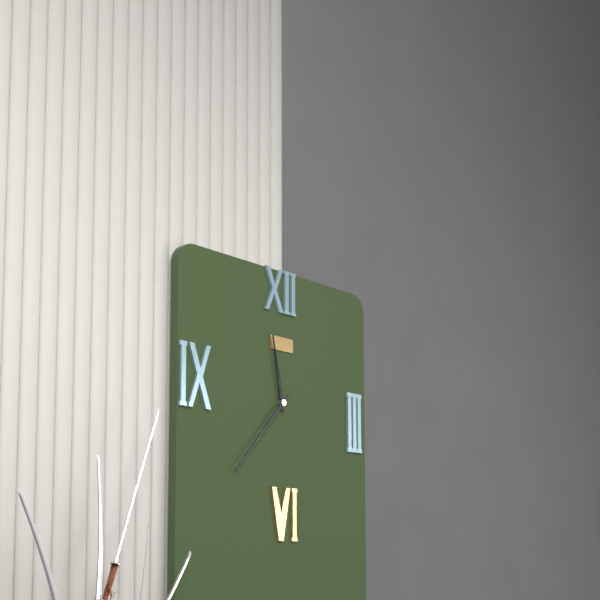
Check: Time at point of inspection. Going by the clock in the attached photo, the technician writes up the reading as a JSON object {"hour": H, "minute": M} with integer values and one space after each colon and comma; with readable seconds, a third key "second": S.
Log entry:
{"hour": 11, "minute": 37}
